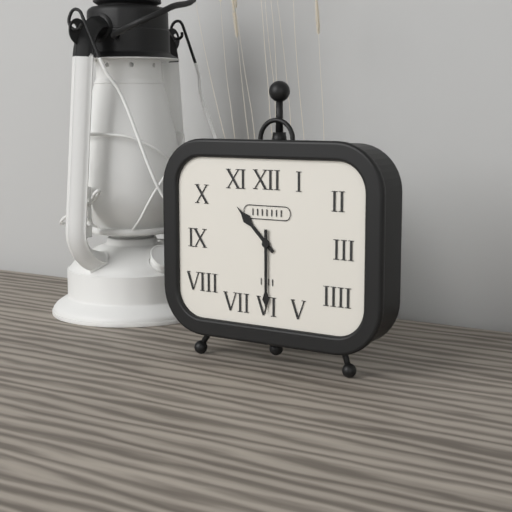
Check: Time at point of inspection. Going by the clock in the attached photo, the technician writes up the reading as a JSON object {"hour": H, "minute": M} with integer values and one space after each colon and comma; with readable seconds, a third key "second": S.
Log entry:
{"hour": 10, "minute": 30}
